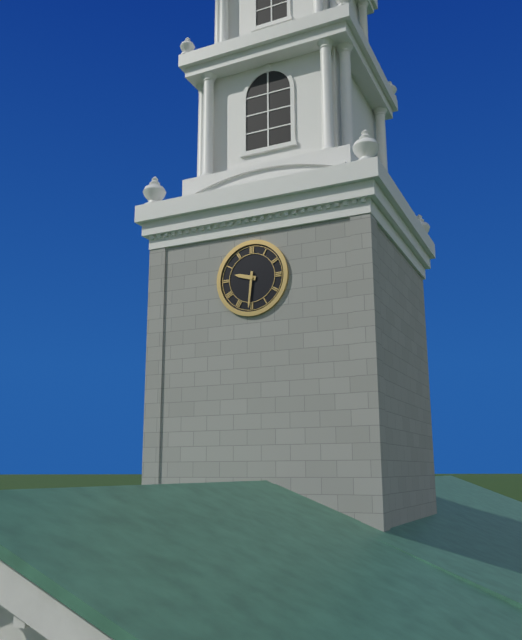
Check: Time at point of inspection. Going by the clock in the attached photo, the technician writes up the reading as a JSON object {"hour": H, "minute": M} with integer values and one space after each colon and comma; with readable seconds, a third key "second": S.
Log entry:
{"hour": 9, "minute": 31}
